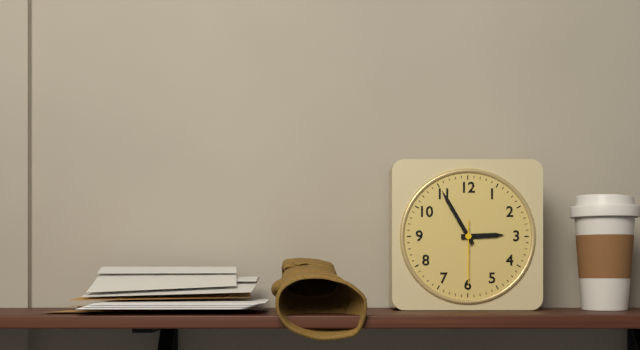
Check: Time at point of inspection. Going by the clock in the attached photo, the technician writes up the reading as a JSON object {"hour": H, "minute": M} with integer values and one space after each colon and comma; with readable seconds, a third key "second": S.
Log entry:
{"hour": 2, "minute": 55, "second": 30}
